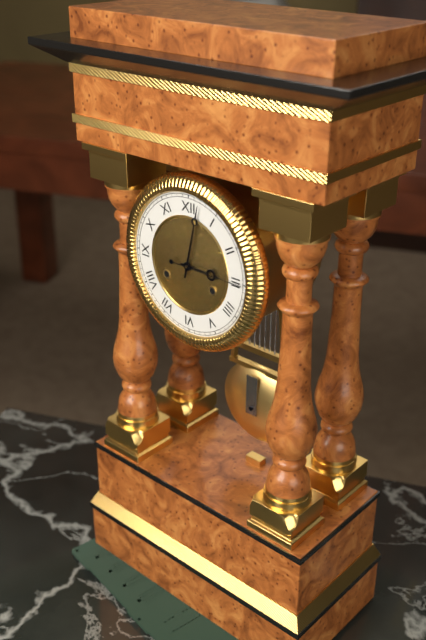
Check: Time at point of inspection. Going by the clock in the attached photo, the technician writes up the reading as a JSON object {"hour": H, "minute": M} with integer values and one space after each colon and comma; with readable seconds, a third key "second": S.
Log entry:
{"hour": 3, "minute": 2, "second": 15}
